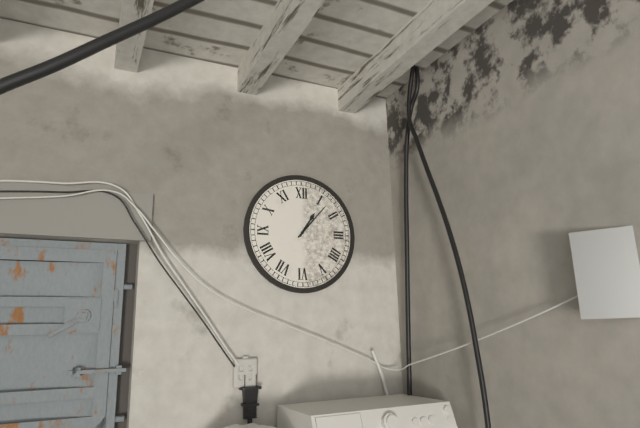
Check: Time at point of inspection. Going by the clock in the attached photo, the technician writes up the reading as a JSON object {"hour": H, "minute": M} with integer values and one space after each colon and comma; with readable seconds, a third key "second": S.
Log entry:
{"hour": 1, "minute": 7}
